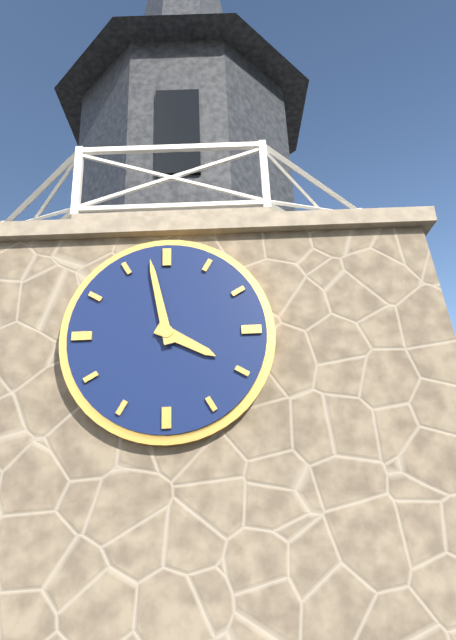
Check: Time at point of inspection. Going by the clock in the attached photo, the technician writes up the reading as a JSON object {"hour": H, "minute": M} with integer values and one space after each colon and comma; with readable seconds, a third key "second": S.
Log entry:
{"hour": 3, "minute": 58}
